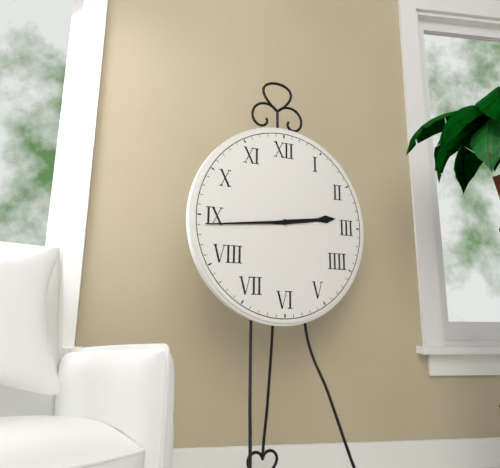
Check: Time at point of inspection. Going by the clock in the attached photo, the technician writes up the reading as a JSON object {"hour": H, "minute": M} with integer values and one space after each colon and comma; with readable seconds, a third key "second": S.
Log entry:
{"hour": 2, "minute": 44}
